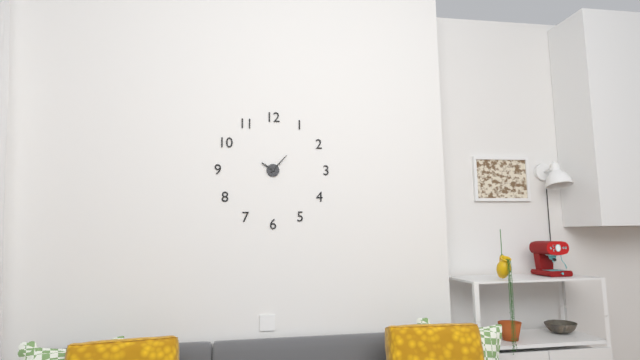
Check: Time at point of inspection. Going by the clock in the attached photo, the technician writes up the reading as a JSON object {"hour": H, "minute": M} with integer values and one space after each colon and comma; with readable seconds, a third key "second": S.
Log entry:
{"hour": 10, "minute": 7}
